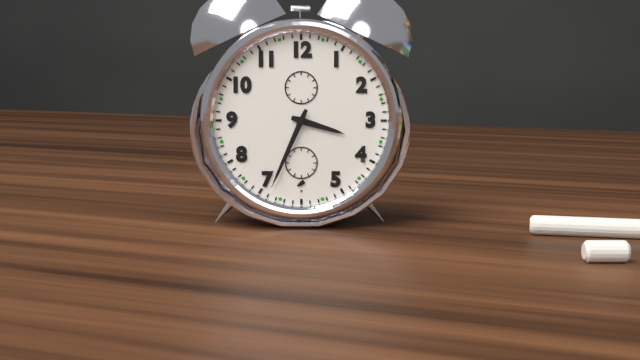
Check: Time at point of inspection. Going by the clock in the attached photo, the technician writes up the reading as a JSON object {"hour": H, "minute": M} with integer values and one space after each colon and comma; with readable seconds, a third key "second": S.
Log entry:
{"hour": 3, "minute": 34}
